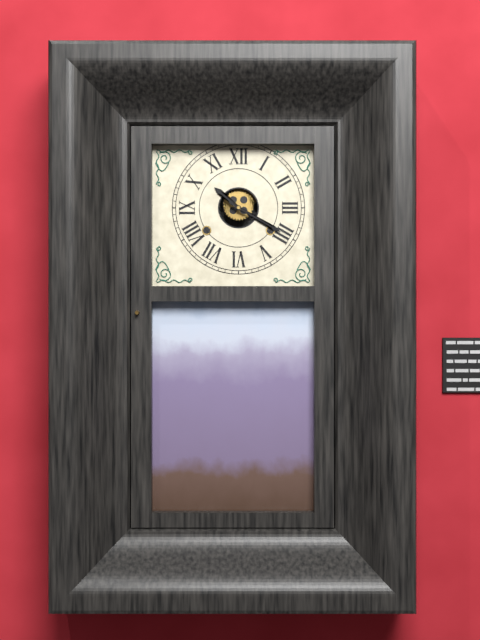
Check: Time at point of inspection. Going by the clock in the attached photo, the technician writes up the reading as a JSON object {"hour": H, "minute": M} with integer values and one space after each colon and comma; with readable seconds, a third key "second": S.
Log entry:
{"hour": 10, "minute": 20}
